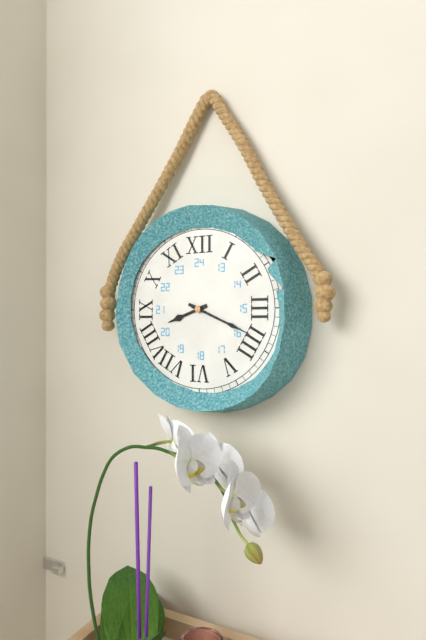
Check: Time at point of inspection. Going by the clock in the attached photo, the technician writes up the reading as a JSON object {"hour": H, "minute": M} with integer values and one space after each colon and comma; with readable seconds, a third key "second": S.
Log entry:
{"hour": 8, "minute": 19}
